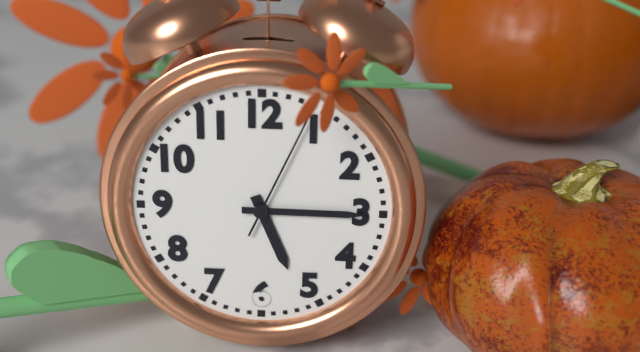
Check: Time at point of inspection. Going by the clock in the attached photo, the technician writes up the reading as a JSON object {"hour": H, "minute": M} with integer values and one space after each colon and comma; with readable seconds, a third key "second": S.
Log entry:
{"hour": 5, "minute": 15, "second": 4}
